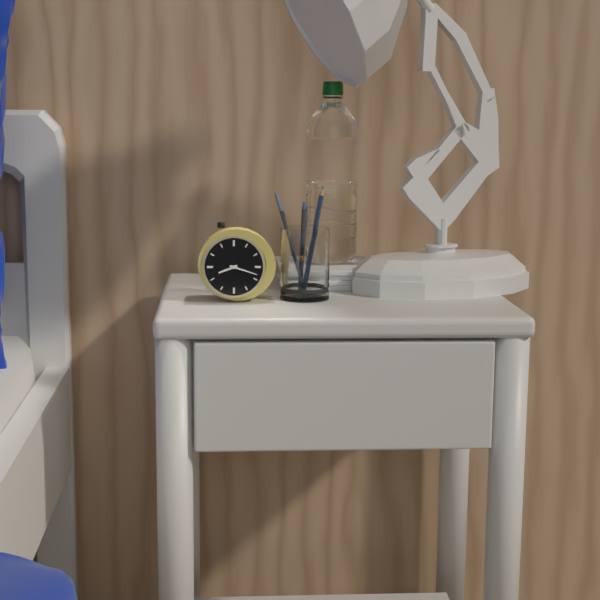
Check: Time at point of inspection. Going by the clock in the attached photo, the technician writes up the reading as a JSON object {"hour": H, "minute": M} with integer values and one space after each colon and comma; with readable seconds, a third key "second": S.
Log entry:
{"hour": 8, "minute": 18}
